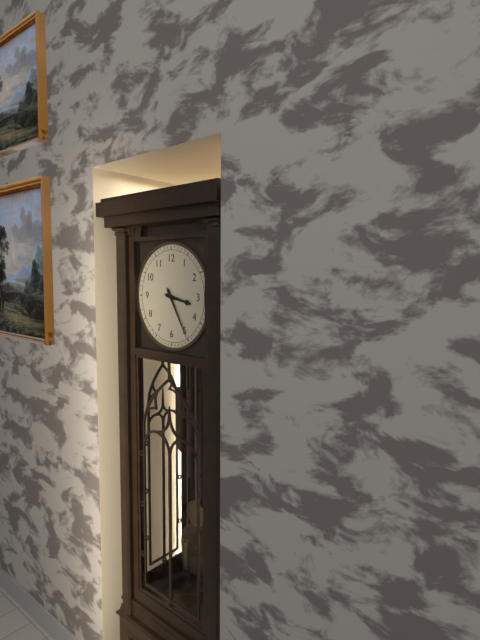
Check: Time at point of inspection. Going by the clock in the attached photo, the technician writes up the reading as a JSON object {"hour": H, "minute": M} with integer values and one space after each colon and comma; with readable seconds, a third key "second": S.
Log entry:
{"hour": 3, "minute": 25}
